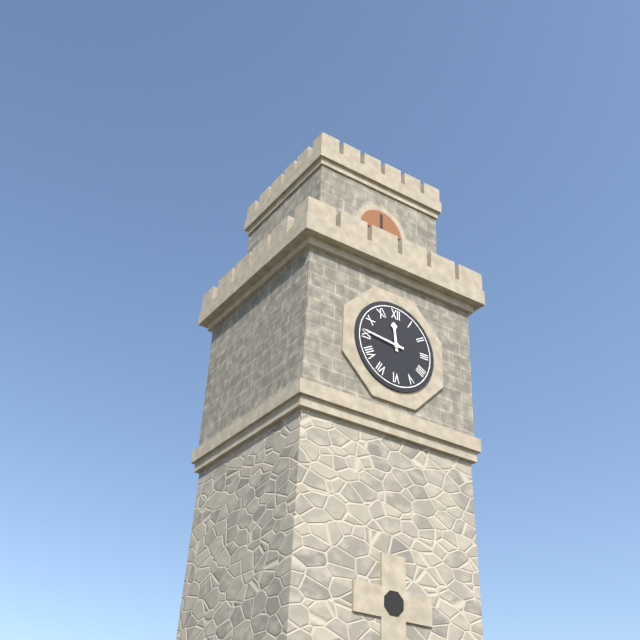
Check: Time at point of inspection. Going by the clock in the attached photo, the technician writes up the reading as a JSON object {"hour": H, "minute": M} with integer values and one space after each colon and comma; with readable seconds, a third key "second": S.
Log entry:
{"hour": 11, "minute": 46}
